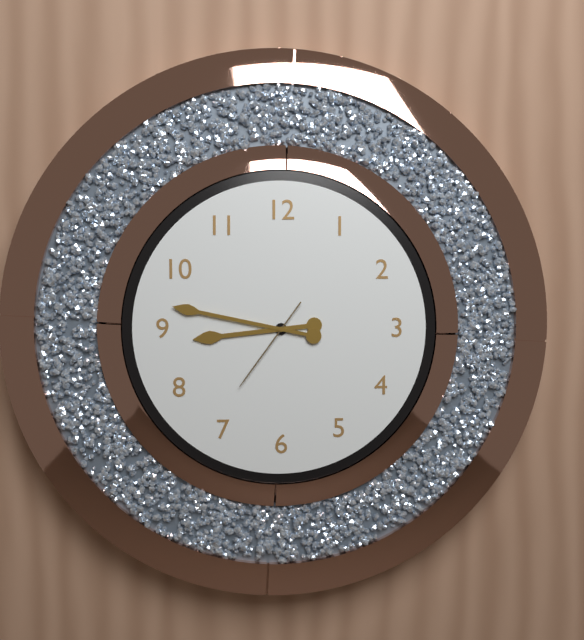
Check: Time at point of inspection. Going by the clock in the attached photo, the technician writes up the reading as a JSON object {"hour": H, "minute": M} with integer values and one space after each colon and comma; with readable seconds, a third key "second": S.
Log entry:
{"hour": 8, "minute": 47, "second": 36}
